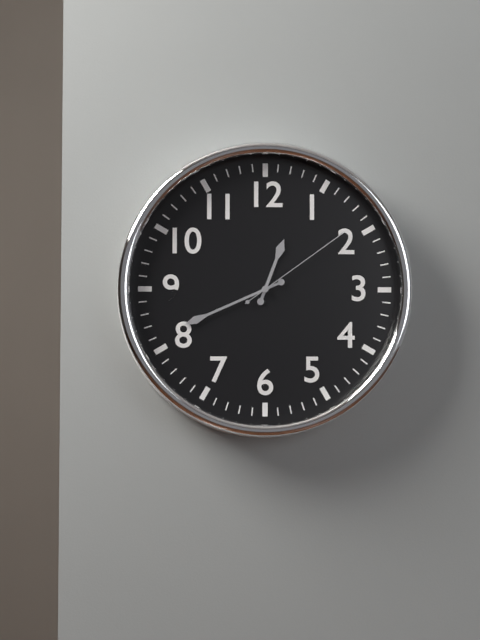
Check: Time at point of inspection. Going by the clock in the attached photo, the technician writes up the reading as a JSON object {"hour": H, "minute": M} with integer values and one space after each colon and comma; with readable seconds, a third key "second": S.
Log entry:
{"hour": 12, "minute": 41, "second": 9}
